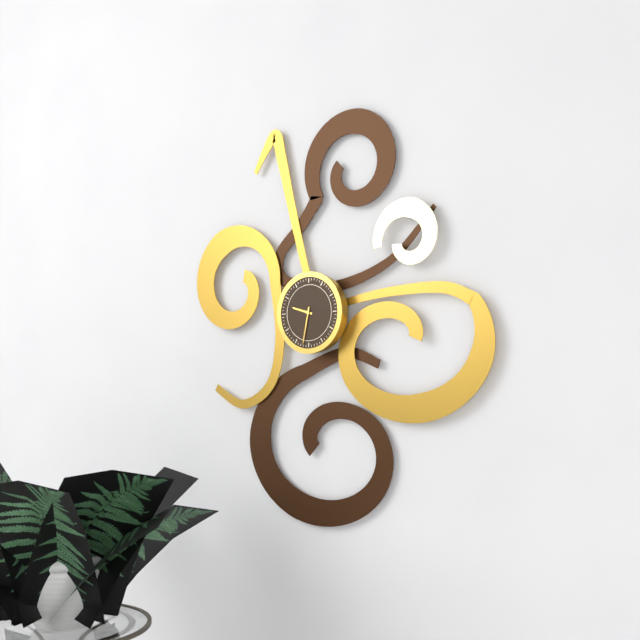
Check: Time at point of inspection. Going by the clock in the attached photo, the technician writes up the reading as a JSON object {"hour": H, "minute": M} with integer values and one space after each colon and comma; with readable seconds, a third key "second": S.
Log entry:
{"hour": 9, "minute": 32}
